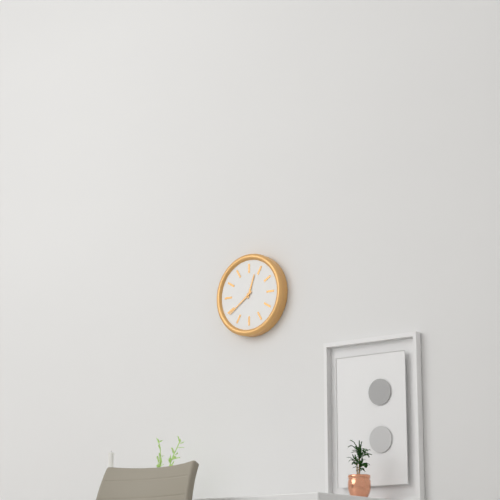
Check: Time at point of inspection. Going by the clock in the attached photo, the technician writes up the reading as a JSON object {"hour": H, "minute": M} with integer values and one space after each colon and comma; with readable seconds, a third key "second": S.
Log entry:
{"hour": 12, "minute": 39}
